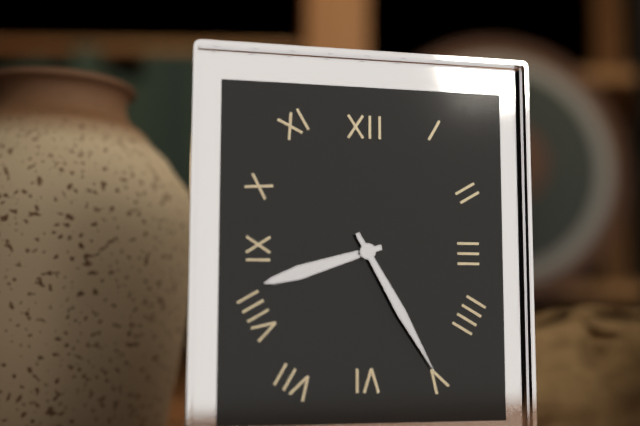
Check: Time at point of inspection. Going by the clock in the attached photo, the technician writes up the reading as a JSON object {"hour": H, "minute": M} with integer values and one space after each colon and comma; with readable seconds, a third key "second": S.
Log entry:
{"hour": 8, "minute": 25}
